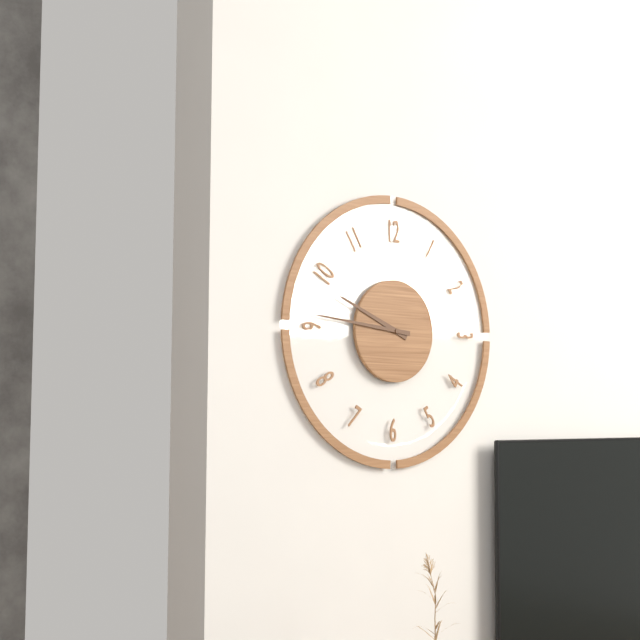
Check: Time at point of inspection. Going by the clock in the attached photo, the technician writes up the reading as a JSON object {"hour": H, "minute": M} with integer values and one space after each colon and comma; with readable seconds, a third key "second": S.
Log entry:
{"hour": 9, "minute": 46}
